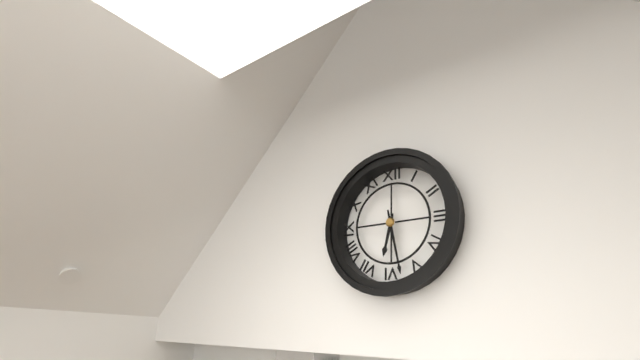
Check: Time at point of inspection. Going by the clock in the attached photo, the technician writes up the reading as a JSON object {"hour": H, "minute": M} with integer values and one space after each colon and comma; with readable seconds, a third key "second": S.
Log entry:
{"hour": 6, "minute": 28}
